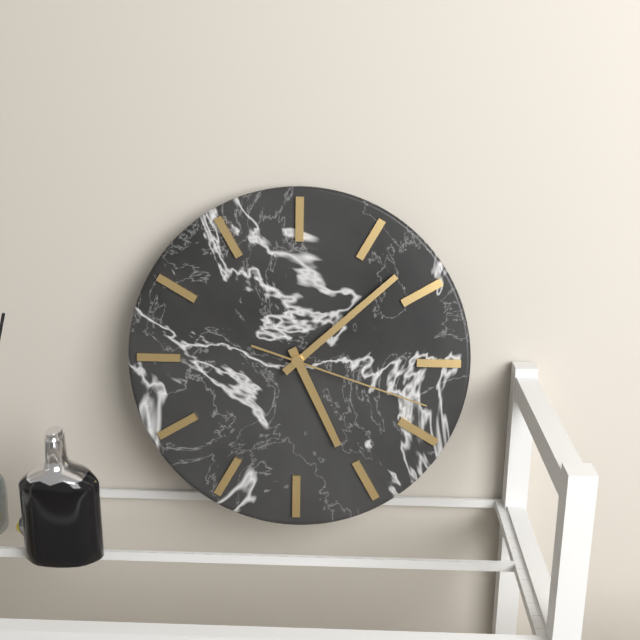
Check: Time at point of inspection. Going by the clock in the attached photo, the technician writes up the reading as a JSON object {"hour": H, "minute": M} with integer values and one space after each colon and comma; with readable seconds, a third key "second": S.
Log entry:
{"hour": 5, "minute": 8, "second": 18}
